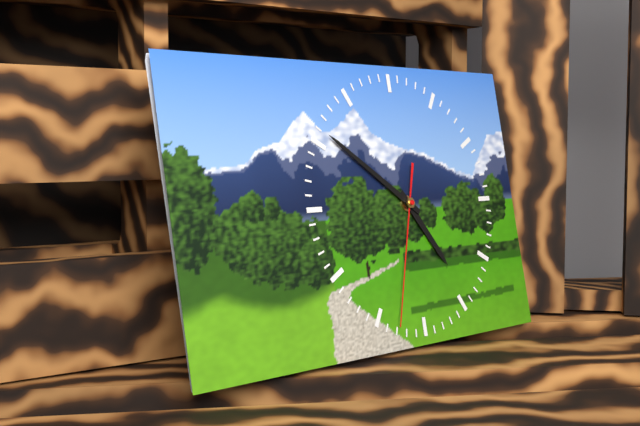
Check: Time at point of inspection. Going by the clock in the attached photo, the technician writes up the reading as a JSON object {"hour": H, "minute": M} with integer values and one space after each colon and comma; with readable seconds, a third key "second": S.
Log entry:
{"hour": 4, "minute": 51, "second": 33}
